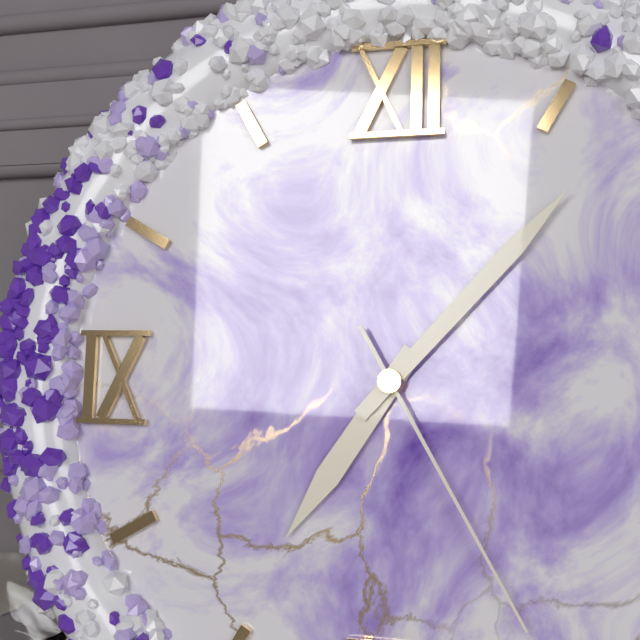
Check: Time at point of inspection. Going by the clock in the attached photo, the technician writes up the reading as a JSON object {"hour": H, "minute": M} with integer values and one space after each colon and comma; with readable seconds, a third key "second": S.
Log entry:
{"hour": 7, "minute": 7, "second": 25}
